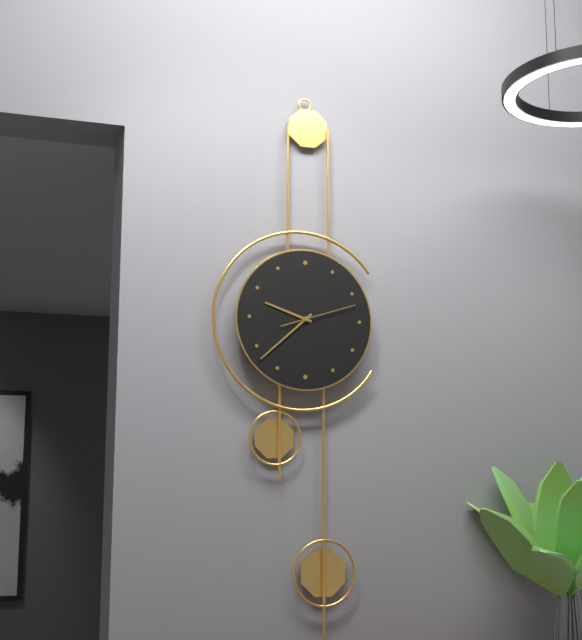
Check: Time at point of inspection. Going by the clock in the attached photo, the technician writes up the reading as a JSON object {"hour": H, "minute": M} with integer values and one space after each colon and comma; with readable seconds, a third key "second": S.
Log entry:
{"hour": 9, "minute": 38, "second": 12}
